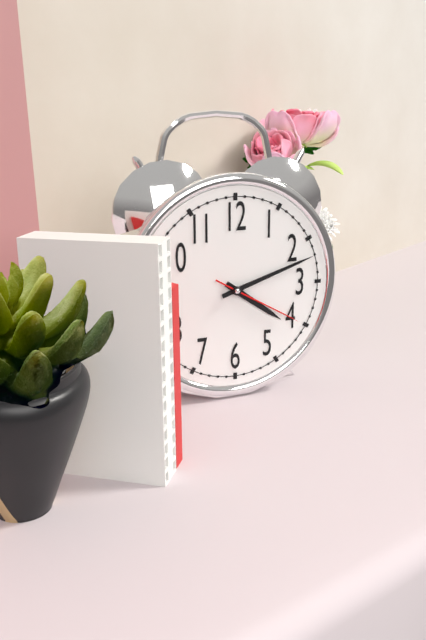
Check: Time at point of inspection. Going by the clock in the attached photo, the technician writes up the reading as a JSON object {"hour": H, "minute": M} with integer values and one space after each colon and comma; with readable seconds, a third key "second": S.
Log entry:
{"hour": 4, "minute": 12, "second": 20}
